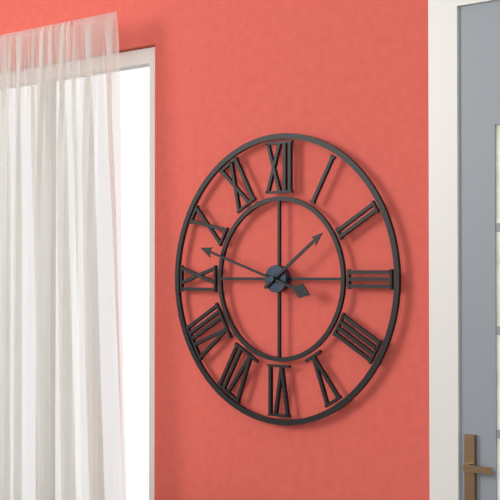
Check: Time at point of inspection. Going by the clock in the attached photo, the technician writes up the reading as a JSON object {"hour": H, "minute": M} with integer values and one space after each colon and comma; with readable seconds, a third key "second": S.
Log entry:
{"hour": 1, "minute": 48}
